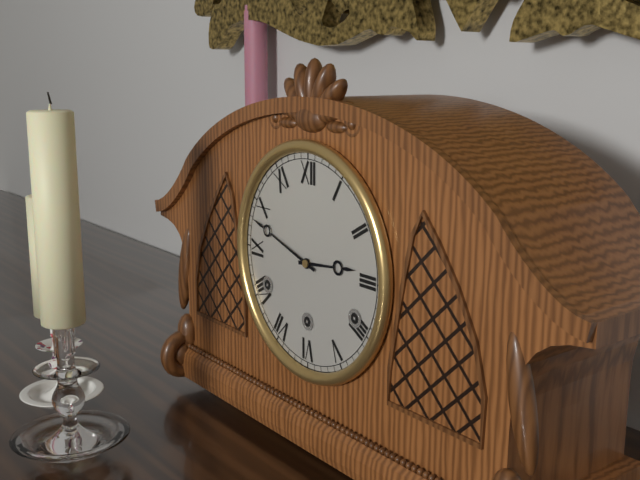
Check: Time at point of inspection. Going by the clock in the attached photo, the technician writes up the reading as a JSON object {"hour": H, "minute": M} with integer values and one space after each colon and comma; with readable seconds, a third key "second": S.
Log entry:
{"hour": 2, "minute": 48}
